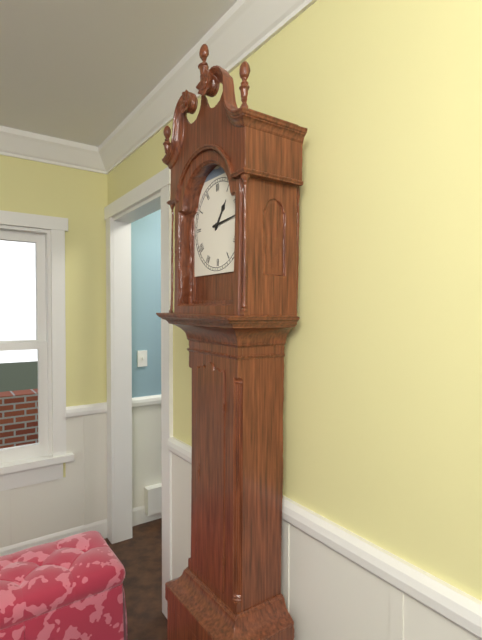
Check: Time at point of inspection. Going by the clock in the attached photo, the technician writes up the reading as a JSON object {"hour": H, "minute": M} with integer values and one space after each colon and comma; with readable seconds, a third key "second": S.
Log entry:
{"hour": 1, "minute": 14}
